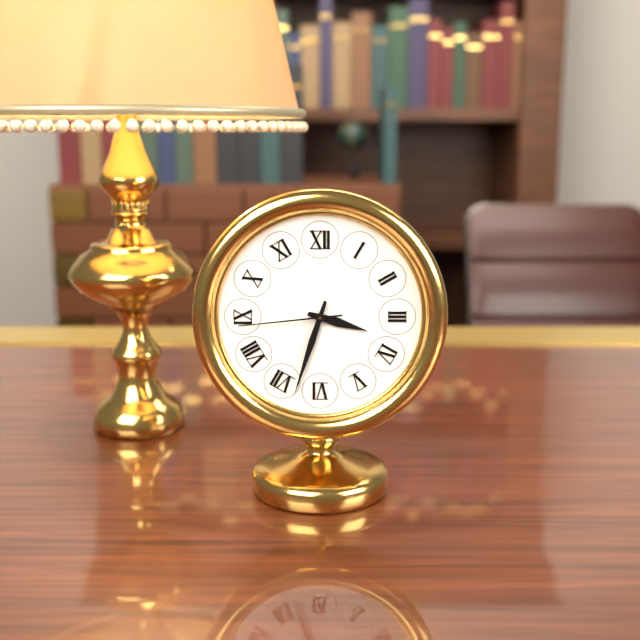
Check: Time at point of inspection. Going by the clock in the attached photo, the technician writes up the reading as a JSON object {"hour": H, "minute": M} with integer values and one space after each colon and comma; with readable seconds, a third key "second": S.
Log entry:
{"hour": 3, "minute": 33, "second": 44}
